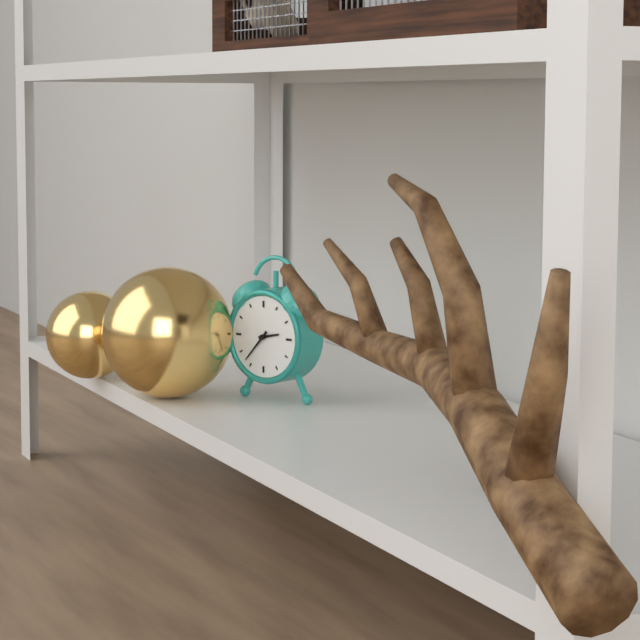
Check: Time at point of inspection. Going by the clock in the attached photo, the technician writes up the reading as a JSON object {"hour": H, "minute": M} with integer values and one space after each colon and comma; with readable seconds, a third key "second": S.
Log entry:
{"hour": 2, "minute": 37}
